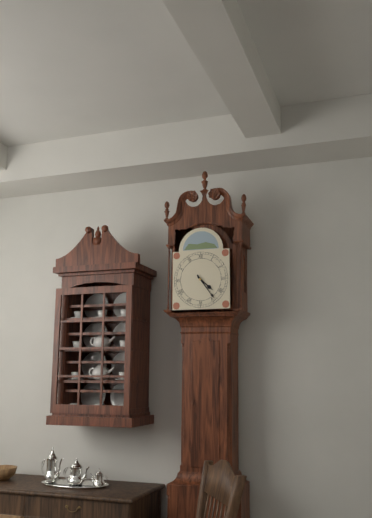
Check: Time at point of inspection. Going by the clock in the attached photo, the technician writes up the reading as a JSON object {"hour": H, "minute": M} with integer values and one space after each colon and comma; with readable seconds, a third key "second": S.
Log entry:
{"hour": 4, "minute": 24}
